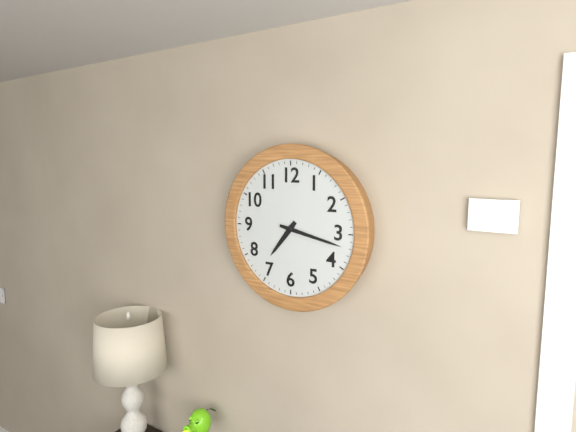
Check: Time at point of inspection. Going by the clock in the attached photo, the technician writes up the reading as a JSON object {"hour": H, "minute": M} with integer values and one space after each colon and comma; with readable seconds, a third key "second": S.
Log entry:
{"hour": 7, "minute": 17}
